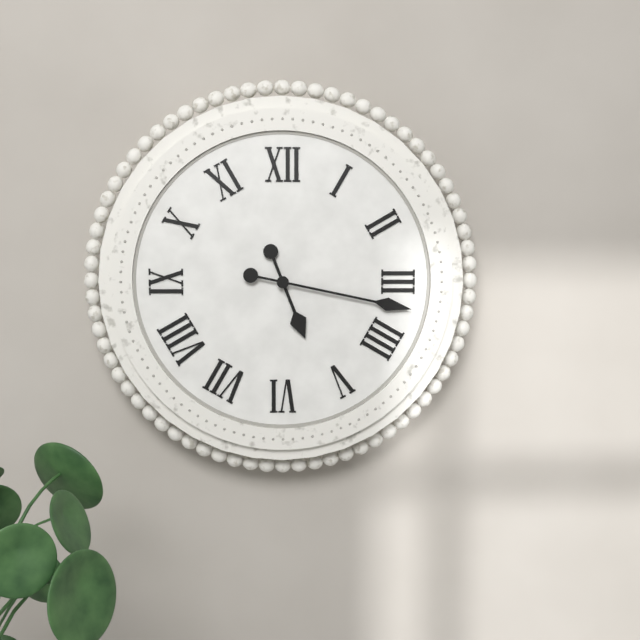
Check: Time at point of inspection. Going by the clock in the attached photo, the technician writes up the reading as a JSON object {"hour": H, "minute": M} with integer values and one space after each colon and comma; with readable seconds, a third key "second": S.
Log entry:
{"hour": 5, "minute": 17}
